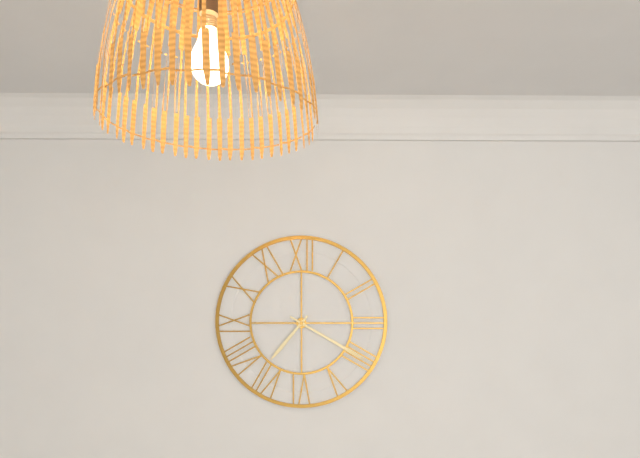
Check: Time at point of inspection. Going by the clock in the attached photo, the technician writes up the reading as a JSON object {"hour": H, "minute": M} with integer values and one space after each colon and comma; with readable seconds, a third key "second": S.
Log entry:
{"hour": 7, "minute": 20}
